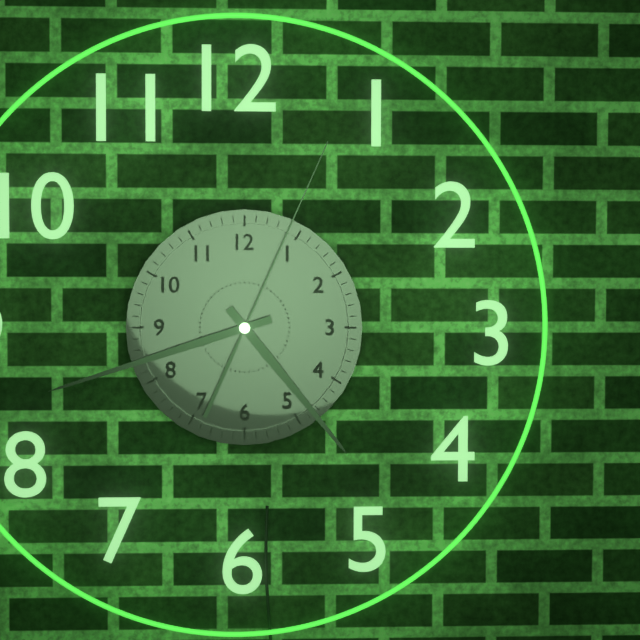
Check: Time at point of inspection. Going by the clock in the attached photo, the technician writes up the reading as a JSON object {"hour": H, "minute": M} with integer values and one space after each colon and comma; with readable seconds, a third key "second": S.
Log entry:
{"hour": 4, "minute": 42, "second": 4}
